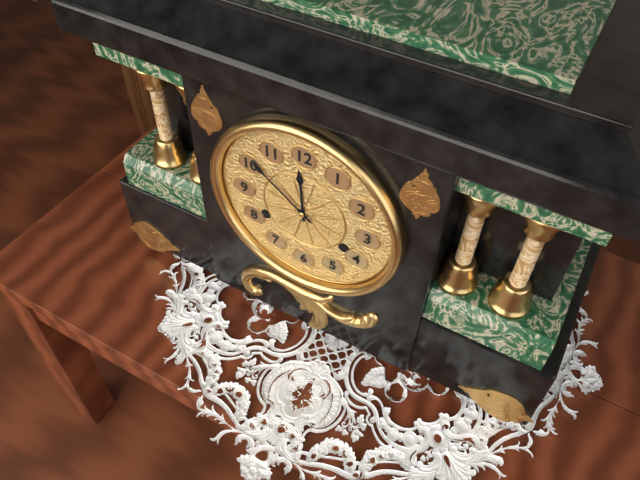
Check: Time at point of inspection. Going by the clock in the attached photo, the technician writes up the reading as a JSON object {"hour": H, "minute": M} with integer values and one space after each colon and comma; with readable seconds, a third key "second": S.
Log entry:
{"hour": 11, "minute": 51}
